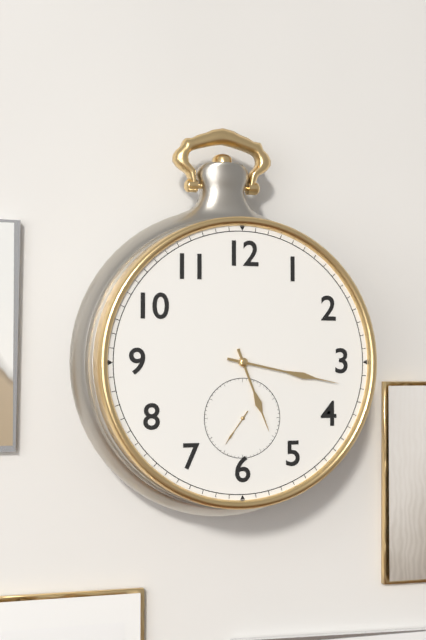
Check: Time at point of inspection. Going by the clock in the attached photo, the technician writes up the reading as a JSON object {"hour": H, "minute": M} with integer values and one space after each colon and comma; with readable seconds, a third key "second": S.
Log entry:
{"hour": 5, "minute": 17}
